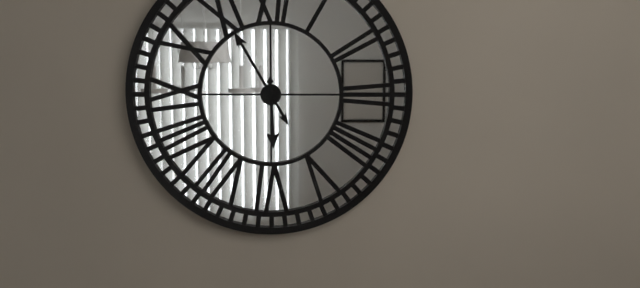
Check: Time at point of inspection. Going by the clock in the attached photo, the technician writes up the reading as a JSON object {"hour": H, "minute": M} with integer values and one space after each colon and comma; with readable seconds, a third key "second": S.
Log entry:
{"hour": 5, "minute": 55}
